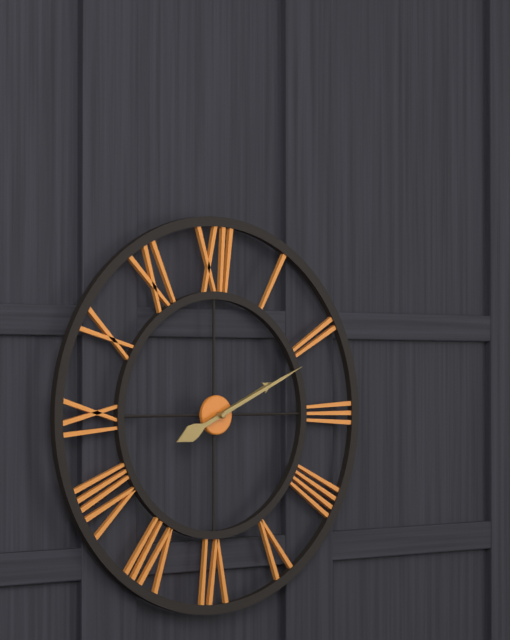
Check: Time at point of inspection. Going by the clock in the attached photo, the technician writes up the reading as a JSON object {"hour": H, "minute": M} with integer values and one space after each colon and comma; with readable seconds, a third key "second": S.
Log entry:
{"hour": 2, "minute": 11}
